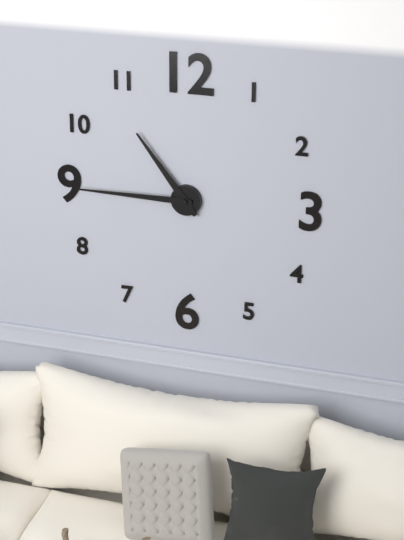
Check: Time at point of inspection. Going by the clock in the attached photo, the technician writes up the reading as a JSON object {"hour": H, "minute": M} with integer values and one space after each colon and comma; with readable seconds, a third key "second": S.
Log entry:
{"hour": 10, "minute": 45}
